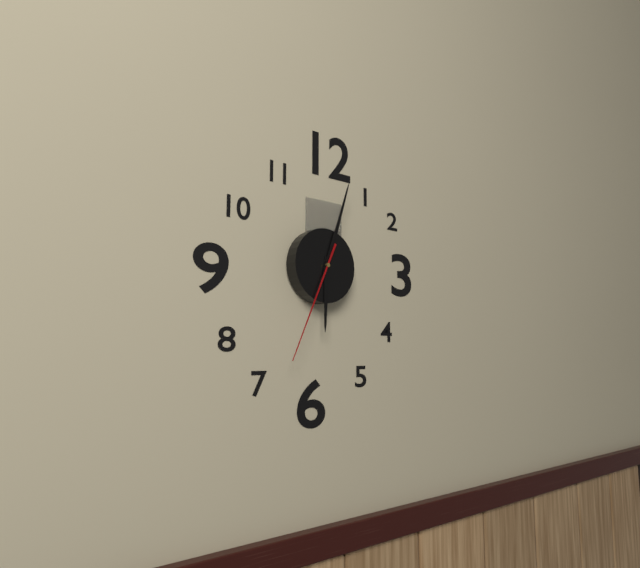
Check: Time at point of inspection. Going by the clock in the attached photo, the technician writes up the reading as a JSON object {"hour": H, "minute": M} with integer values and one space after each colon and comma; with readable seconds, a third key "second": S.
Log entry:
{"hour": 6, "minute": 3, "second": 34}
